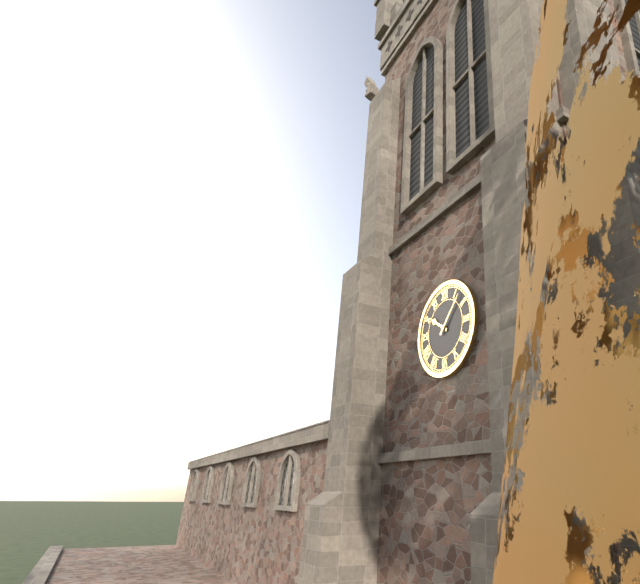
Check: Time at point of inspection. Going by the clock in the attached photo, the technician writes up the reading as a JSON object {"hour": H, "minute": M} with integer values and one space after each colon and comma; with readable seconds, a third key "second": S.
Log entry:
{"hour": 10, "minute": 7}
